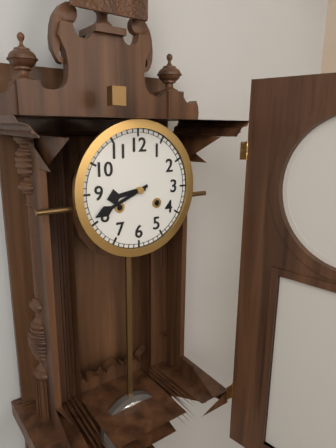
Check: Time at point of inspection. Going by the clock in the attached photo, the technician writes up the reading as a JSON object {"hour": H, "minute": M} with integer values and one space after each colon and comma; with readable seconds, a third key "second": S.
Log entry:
{"hour": 8, "minute": 41}
